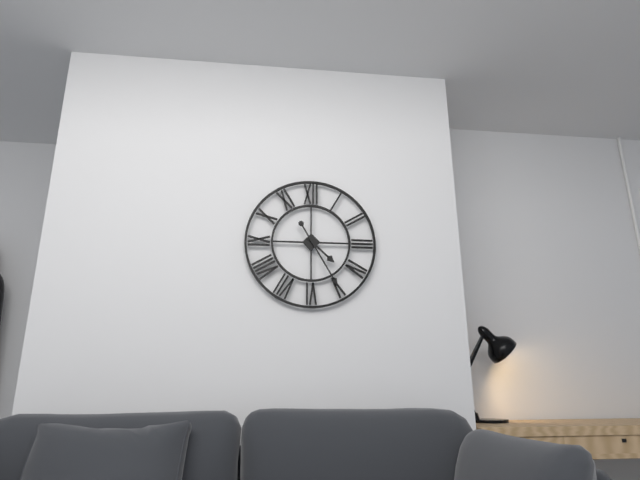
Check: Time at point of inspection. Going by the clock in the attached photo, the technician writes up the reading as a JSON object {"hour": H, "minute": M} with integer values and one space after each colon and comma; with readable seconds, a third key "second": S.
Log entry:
{"hour": 4, "minute": 25}
